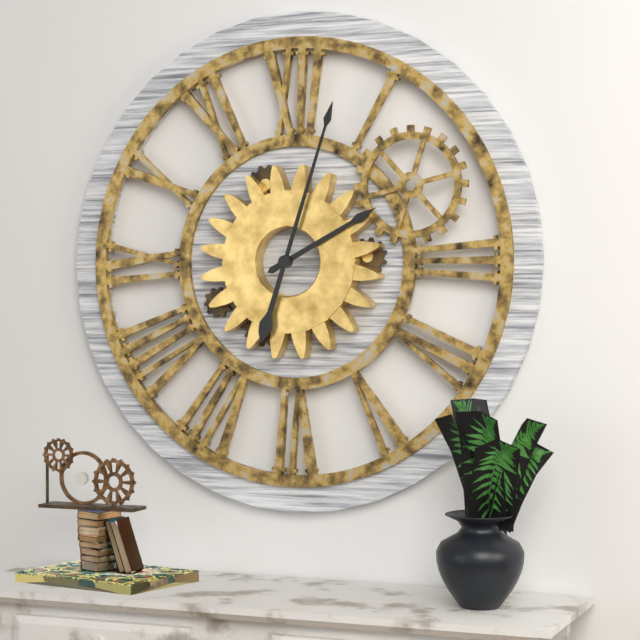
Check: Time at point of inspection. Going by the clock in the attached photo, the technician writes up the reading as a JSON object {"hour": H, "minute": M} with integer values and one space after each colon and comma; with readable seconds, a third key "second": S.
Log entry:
{"hour": 2, "minute": 3}
